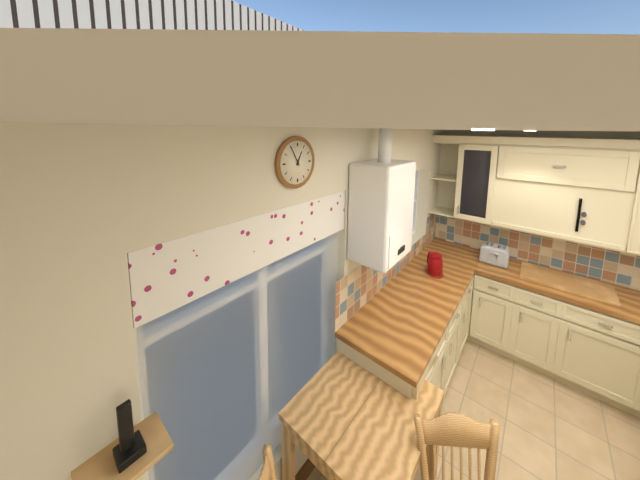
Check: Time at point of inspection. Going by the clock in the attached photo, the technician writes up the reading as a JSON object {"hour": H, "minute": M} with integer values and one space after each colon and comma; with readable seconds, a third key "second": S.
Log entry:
{"hour": 12, "minute": 55}
